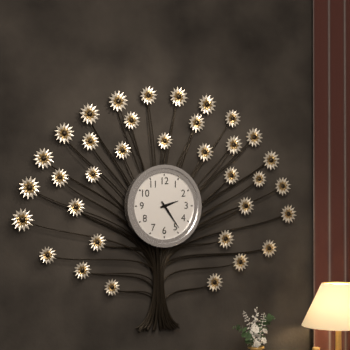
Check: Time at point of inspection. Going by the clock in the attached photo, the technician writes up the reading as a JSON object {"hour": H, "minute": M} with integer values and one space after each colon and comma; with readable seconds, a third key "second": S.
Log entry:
{"hour": 2, "minute": 24}
